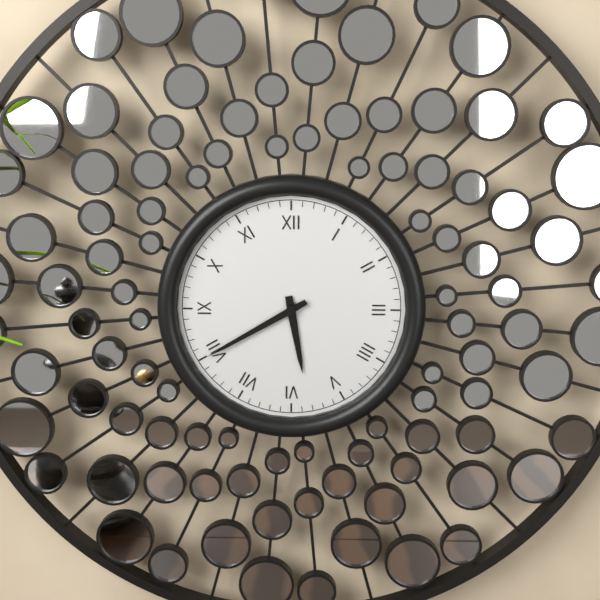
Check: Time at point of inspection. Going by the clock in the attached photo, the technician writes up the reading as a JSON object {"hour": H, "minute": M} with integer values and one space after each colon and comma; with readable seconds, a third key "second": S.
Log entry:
{"hour": 5, "minute": 40}
